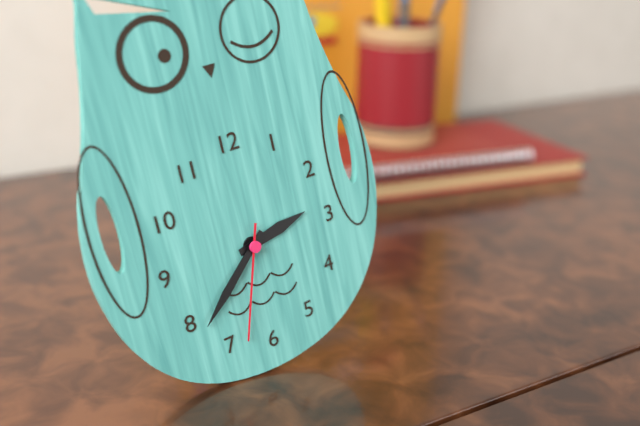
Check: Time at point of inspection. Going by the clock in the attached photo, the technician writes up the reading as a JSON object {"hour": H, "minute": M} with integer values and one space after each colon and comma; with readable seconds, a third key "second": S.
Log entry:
{"hour": 2, "minute": 38, "second": 33}
